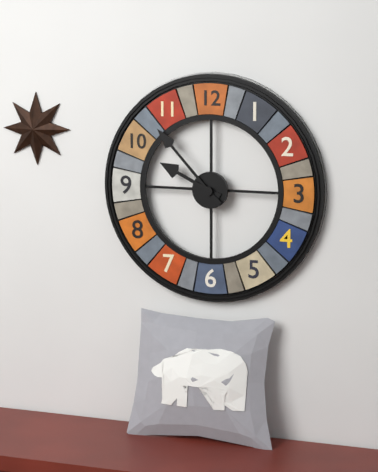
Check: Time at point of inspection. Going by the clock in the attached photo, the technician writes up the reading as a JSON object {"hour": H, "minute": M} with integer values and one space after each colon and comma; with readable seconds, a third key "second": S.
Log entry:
{"hour": 9, "minute": 53}
